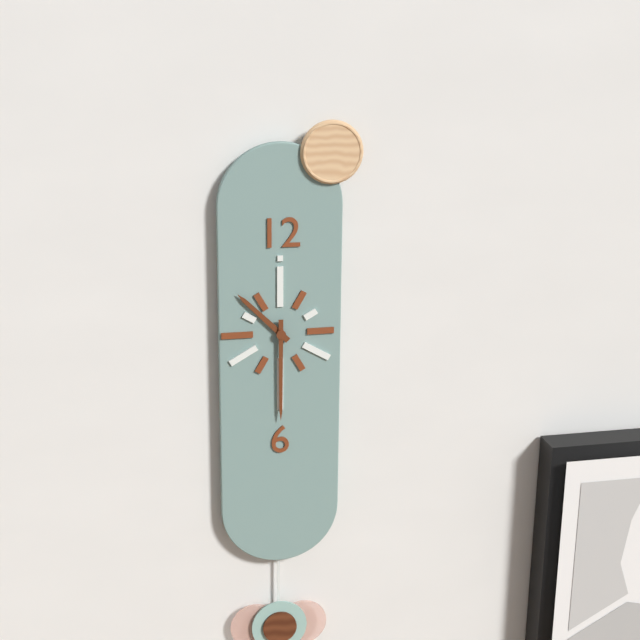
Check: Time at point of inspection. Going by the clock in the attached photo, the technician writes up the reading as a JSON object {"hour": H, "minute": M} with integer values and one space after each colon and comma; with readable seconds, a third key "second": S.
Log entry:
{"hour": 10, "minute": 30}
